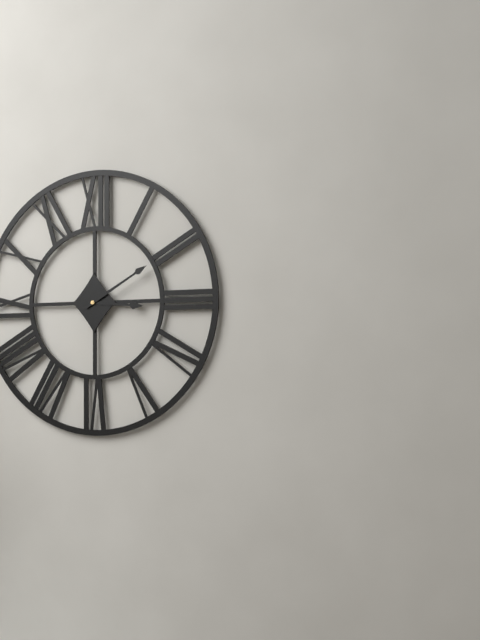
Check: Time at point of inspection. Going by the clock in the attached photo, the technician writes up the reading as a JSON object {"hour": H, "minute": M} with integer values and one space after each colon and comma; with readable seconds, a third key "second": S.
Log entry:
{"hour": 3, "minute": 10}
